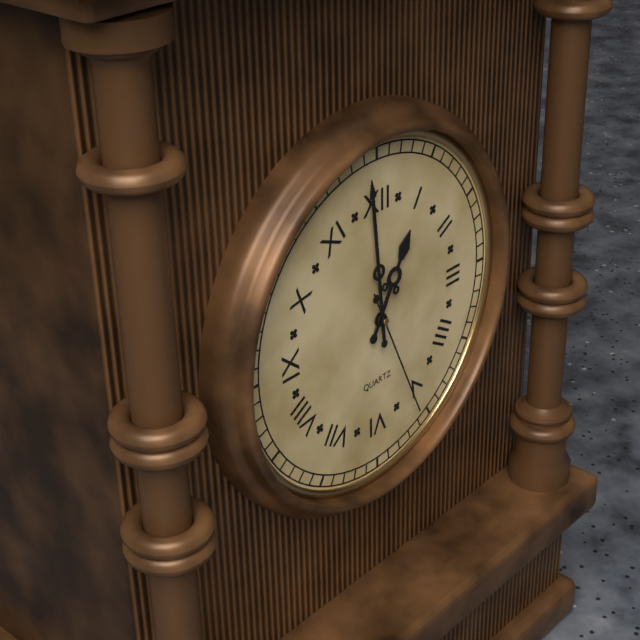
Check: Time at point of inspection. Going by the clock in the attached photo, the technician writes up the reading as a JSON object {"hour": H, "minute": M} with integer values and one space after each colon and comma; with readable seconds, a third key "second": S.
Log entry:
{"hour": 12, "minute": 59, "second": 26}
